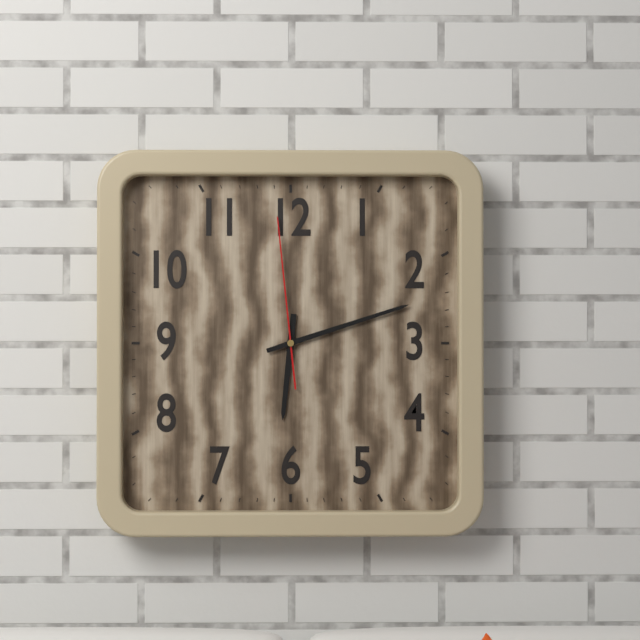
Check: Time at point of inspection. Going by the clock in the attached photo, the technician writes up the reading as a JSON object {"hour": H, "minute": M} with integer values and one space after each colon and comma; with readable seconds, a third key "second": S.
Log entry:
{"hour": 6, "minute": 12, "second": 59}
